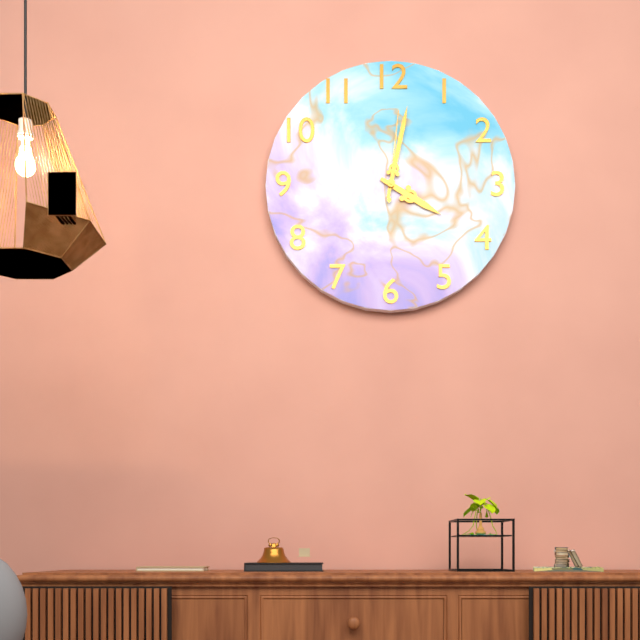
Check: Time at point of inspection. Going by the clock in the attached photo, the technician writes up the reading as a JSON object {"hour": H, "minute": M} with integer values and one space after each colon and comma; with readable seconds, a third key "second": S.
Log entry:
{"hour": 4, "minute": 2, "second": 1}
